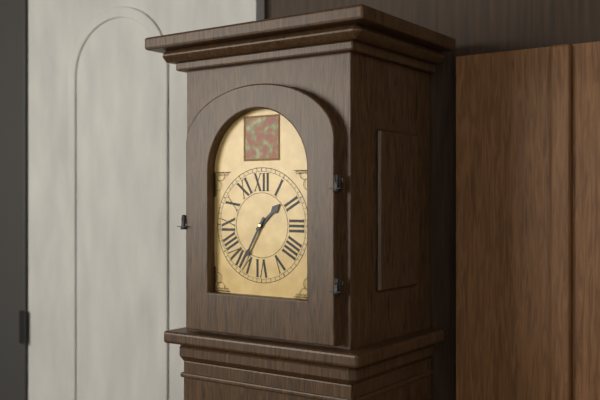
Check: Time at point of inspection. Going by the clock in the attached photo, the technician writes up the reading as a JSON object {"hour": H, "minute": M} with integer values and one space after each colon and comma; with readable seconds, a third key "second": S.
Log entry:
{"hour": 1, "minute": 35}
